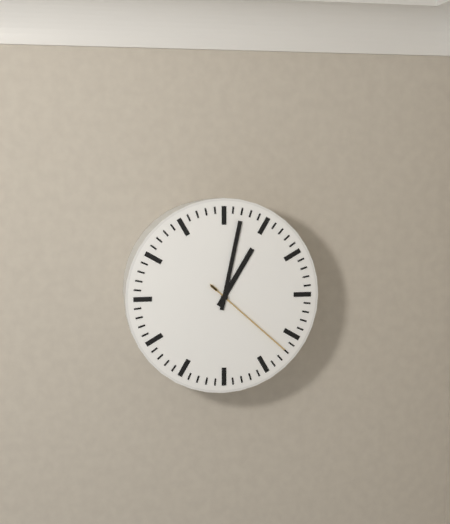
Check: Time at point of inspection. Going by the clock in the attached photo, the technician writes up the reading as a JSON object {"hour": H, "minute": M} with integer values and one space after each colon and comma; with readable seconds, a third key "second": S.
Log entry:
{"hour": 1, "minute": 2, "second": 22}
